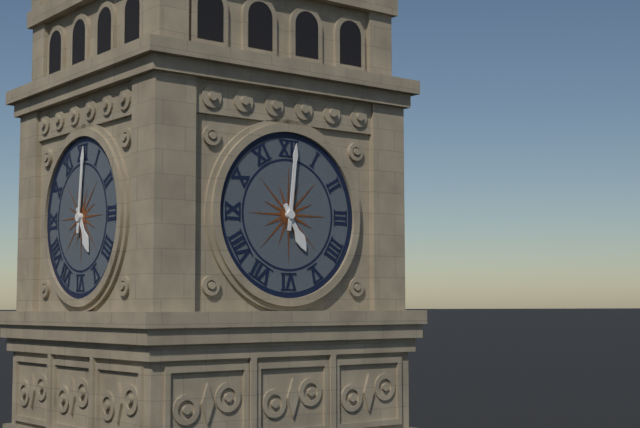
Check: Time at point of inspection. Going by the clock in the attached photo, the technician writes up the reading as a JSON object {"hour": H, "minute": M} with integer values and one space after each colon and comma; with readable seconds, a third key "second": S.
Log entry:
{"hour": 5, "minute": 1}
